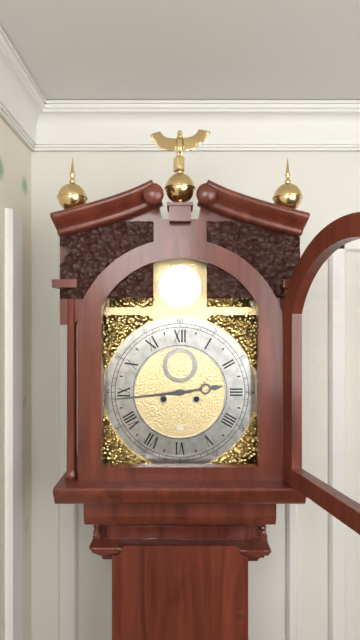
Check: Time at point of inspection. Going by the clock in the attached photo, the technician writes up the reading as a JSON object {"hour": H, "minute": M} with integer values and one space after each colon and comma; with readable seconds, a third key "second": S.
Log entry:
{"hour": 2, "minute": 44}
